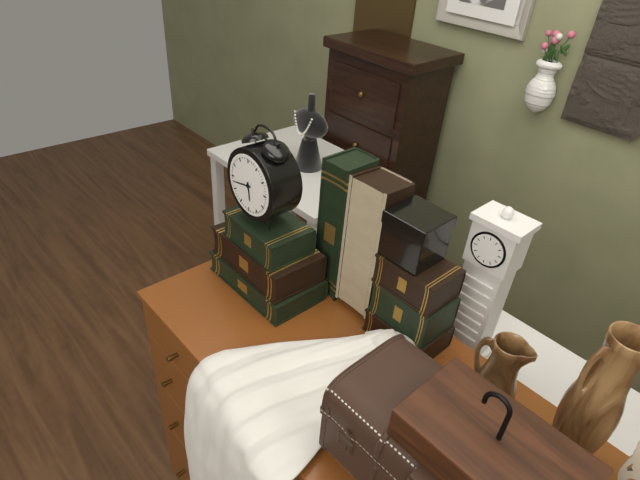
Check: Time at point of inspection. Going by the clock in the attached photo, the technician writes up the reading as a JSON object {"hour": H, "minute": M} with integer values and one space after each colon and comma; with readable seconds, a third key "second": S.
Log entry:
{"hour": 5, "minute": 43}
